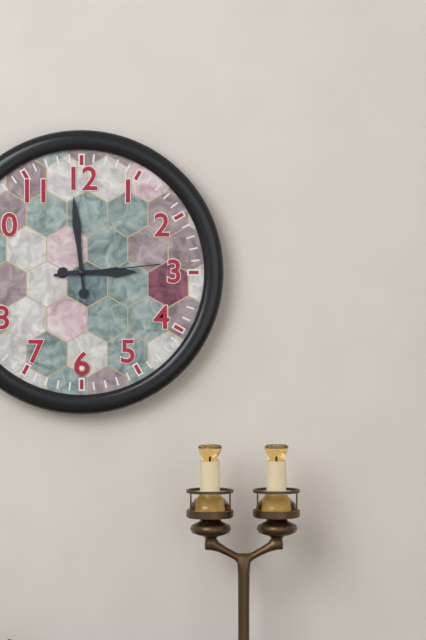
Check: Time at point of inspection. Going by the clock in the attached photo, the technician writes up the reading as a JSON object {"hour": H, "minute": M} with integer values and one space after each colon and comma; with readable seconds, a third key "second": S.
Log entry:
{"hour": 2, "minute": 59, "second": 14}
